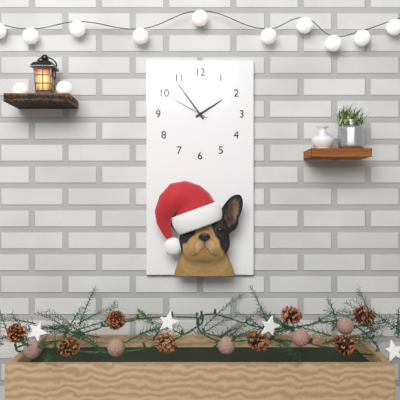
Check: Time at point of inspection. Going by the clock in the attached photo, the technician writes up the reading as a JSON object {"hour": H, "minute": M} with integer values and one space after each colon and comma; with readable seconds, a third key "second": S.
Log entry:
{"hour": 1, "minute": 54}
